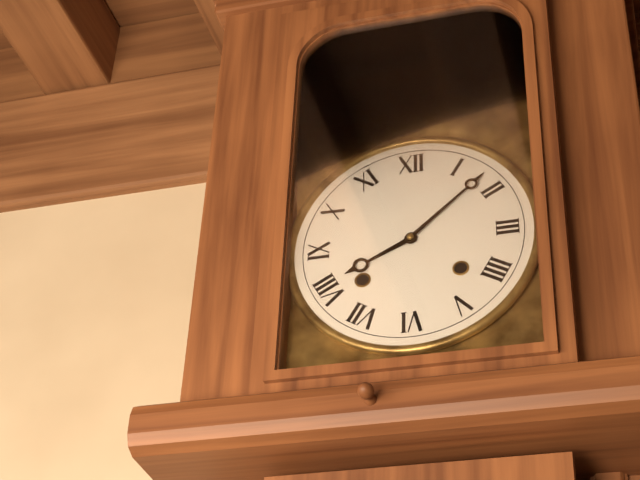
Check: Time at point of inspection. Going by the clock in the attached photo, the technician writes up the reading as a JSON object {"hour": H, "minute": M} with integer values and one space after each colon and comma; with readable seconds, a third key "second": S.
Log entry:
{"hour": 8, "minute": 8}
